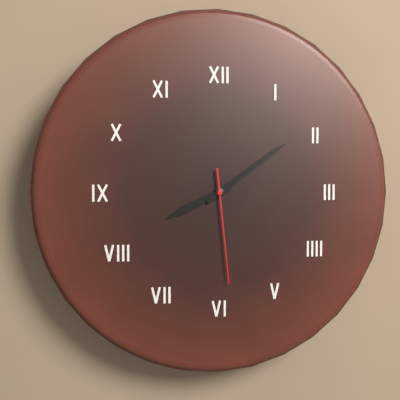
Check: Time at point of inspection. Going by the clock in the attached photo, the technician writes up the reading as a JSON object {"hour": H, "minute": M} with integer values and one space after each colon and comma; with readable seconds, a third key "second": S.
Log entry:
{"hour": 8, "minute": 9, "second": 29}
